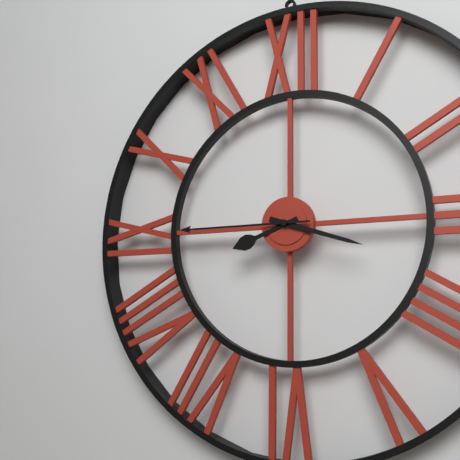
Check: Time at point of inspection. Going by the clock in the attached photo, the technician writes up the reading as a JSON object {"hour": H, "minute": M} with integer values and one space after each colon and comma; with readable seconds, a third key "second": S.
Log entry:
{"hour": 8, "minute": 18, "second": 45}
